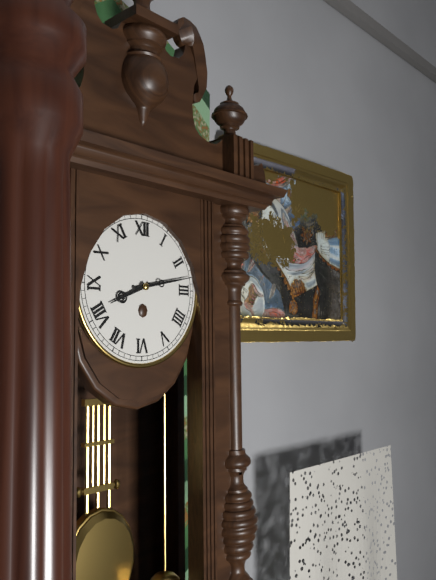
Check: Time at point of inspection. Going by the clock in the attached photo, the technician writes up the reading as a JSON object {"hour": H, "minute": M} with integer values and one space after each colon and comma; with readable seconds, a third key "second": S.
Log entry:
{"hour": 8, "minute": 13}
